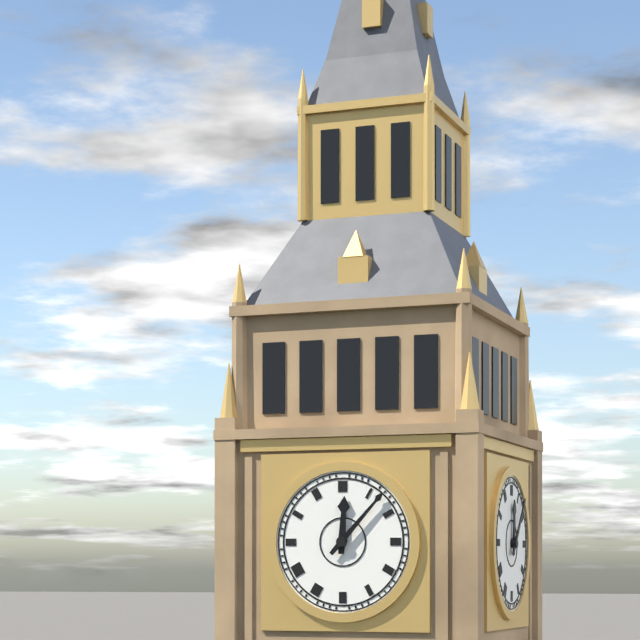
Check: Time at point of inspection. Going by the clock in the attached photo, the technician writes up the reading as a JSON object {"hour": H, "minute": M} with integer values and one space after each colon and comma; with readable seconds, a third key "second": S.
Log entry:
{"hour": 12, "minute": 7}
